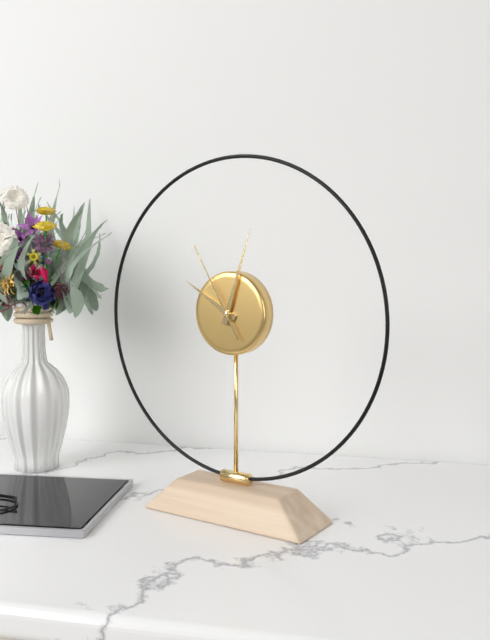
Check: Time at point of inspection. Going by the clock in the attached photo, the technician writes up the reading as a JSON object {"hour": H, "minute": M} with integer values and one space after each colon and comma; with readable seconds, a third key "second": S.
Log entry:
{"hour": 10, "minute": 3, "second": 55}
